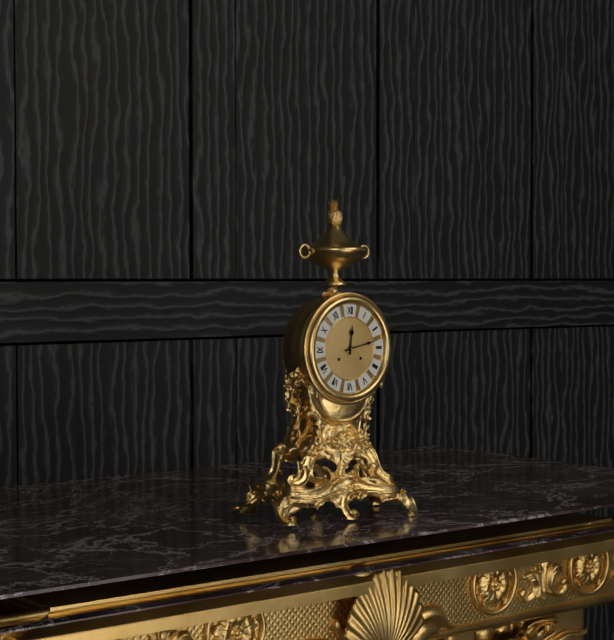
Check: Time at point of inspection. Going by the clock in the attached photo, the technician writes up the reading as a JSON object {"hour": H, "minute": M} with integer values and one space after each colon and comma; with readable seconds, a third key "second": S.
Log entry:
{"hour": 12, "minute": 13}
